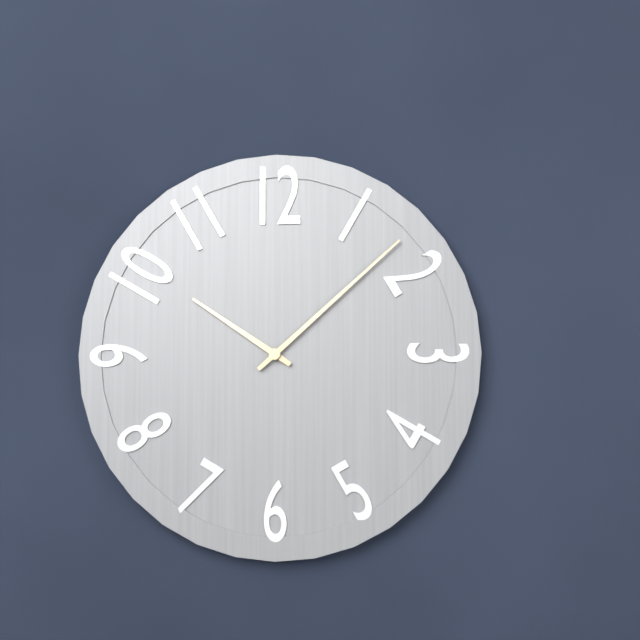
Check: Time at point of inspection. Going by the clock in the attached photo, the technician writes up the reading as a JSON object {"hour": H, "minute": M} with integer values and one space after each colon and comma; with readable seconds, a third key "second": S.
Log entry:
{"hour": 10, "minute": 8}
